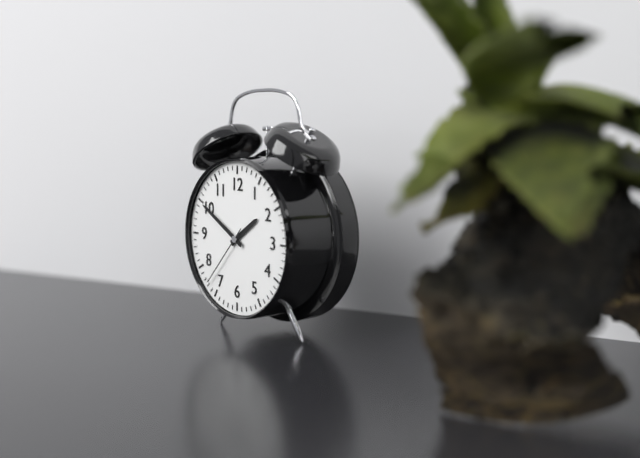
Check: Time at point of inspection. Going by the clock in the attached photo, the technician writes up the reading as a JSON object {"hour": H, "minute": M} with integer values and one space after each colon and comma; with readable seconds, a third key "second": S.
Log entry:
{"hour": 1, "minute": 50, "second": 37}
